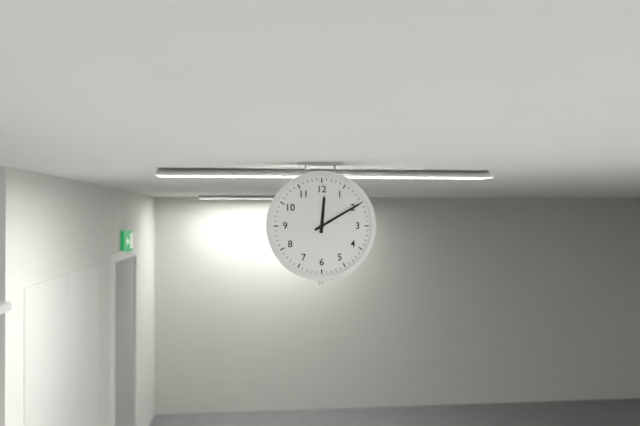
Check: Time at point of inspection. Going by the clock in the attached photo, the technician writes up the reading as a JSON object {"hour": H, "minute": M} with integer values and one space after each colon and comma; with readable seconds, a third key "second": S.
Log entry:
{"hour": 12, "minute": 10}
